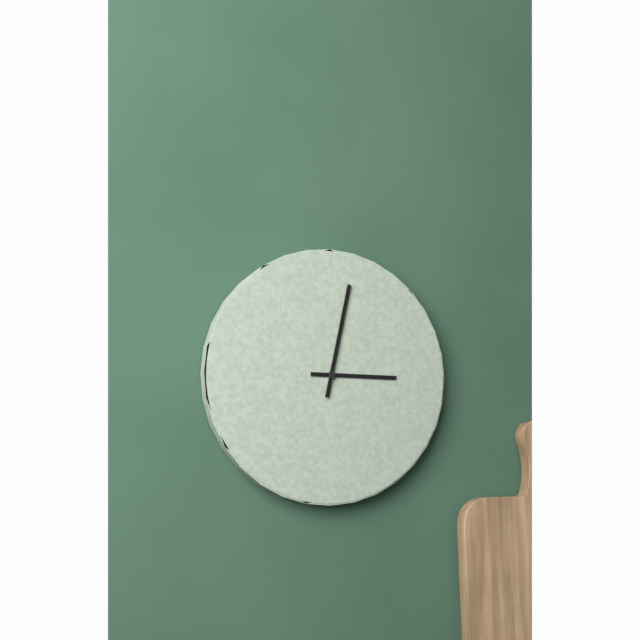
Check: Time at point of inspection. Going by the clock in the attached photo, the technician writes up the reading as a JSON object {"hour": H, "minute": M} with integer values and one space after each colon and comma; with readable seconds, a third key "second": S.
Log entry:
{"hour": 3, "minute": 2}
